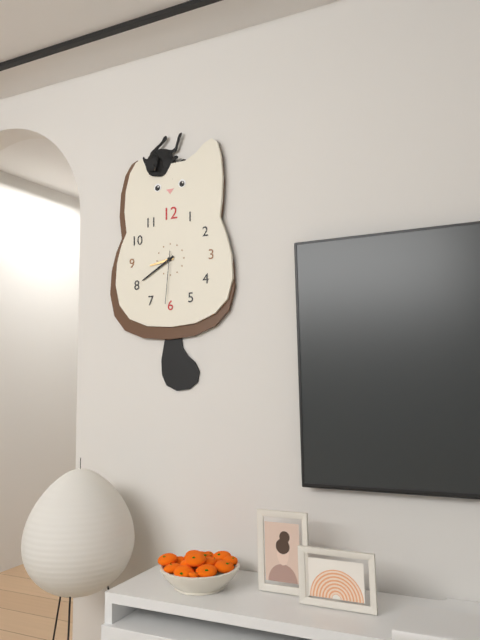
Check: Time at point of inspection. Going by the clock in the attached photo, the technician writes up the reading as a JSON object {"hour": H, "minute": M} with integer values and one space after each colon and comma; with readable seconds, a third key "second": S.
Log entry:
{"hour": 8, "minute": 40, "second": 31}
